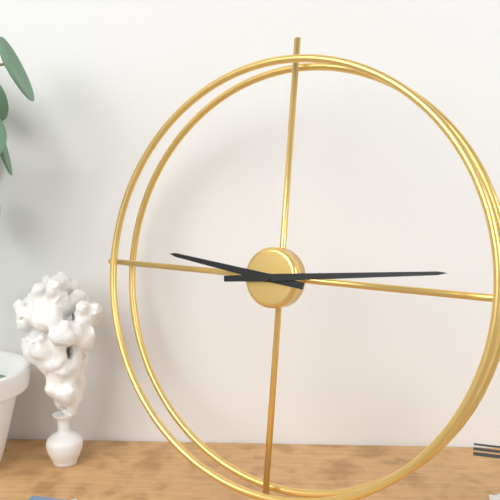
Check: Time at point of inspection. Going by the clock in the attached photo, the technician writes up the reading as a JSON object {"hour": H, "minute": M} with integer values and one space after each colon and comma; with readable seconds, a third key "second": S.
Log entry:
{"hour": 9, "minute": 14}
